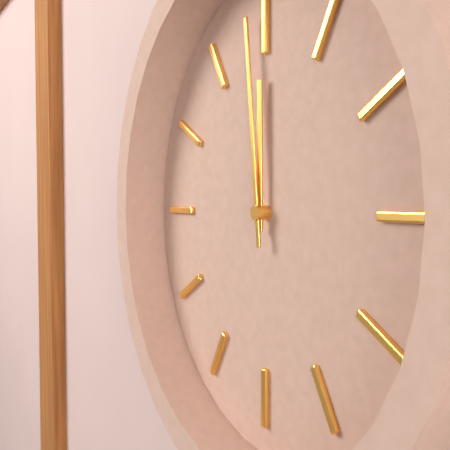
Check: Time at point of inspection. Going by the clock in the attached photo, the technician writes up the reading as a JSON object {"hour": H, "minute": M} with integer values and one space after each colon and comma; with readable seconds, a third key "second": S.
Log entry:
{"hour": 11, "minute": 59}
